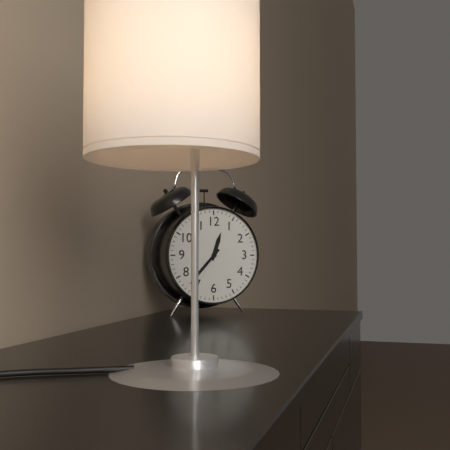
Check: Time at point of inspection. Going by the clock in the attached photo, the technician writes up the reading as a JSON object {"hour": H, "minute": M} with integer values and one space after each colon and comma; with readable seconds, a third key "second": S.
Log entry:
{"hour": 12, "minute": 37}
